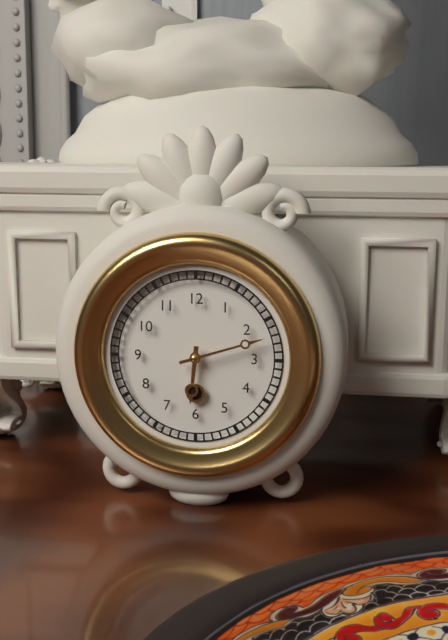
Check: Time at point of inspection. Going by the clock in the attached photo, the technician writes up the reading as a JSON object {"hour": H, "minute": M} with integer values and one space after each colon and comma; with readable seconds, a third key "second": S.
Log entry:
{"hour": 6, "minute": 12}
